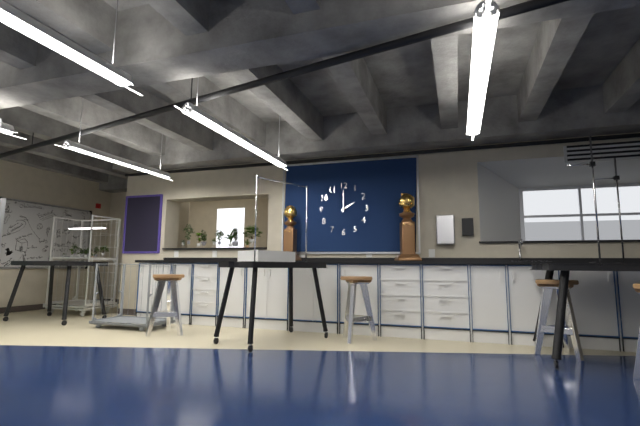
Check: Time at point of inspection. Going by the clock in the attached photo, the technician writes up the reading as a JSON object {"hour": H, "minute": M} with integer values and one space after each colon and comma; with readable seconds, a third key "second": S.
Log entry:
{"hour": 2, "minute": 0}
